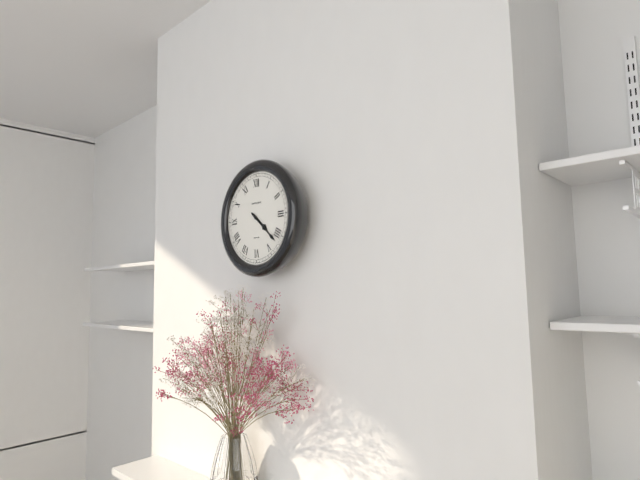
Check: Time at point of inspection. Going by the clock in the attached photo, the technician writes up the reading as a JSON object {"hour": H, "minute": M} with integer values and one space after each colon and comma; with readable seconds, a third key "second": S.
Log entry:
{"hour": 4, "minute": 22}
